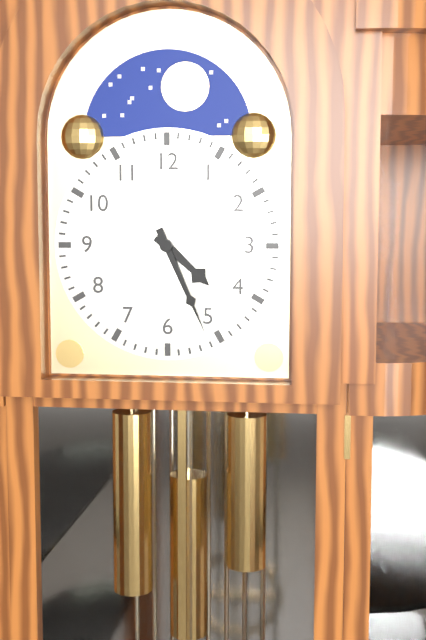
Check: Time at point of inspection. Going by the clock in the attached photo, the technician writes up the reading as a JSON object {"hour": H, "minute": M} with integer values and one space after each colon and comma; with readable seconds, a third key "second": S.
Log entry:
{"hour": 4, "minute": 26}
